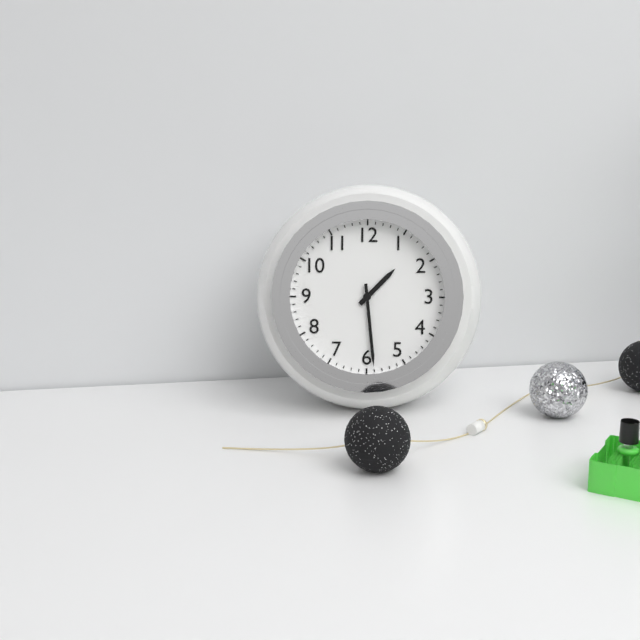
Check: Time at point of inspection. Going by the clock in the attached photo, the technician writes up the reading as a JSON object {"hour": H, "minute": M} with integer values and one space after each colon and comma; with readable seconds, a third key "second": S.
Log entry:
{"hour": 1, "minute": 29}
